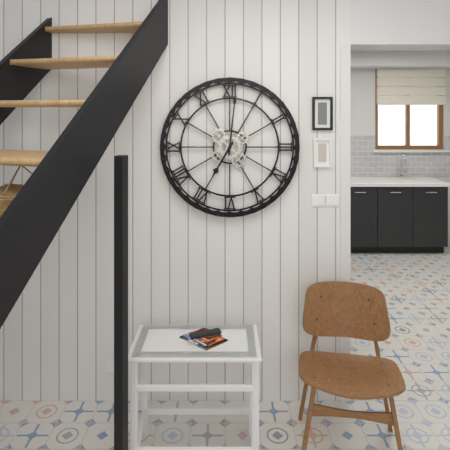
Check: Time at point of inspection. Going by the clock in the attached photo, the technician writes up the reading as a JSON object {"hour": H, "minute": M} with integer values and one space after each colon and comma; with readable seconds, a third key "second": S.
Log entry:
{"hour": 7, "minute": 1}
